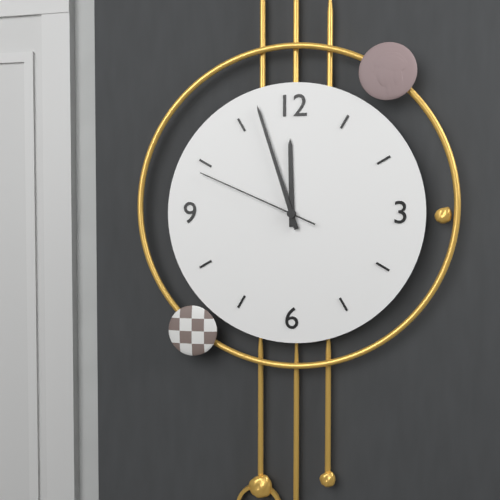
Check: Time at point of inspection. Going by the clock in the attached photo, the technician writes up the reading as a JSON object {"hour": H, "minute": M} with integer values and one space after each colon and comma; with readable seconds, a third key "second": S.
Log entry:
{"hour": 11, "minute": 57, "second": 49}
